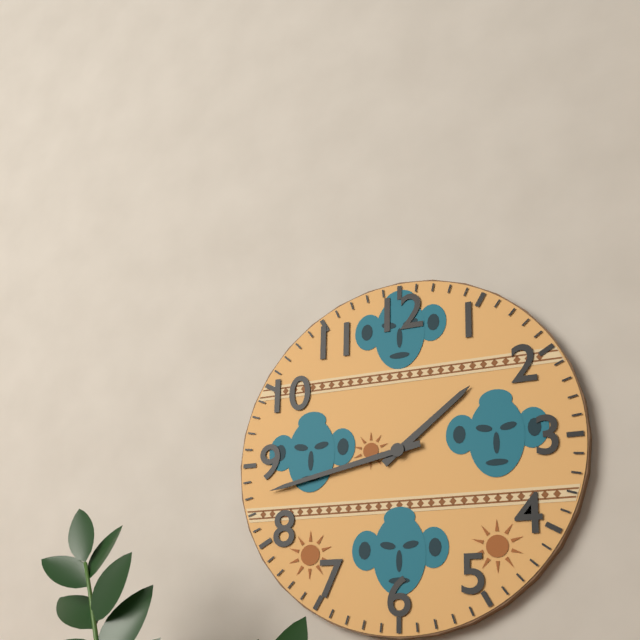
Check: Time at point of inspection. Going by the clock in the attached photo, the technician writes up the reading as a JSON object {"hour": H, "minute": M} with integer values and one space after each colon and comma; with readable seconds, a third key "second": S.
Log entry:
{"hour": 1, "minute": 43}
